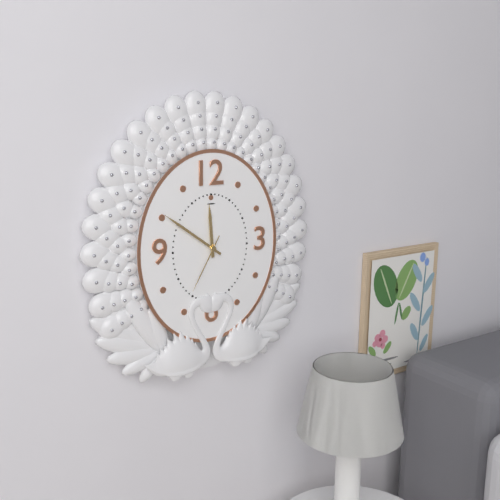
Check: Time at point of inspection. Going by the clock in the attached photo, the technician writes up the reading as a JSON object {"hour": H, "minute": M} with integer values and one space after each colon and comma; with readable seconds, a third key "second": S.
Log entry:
{"hour": 11, "minute": 51, "second": 35}
